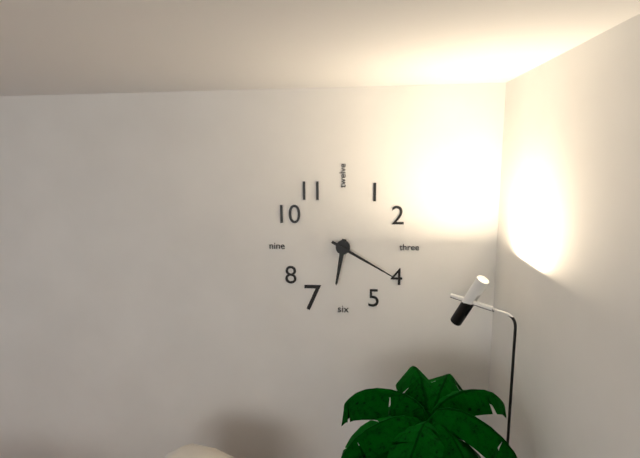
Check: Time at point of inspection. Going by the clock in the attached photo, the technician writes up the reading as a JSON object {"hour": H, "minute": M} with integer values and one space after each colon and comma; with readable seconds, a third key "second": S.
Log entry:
{"hour": 6, "minute": 20}
